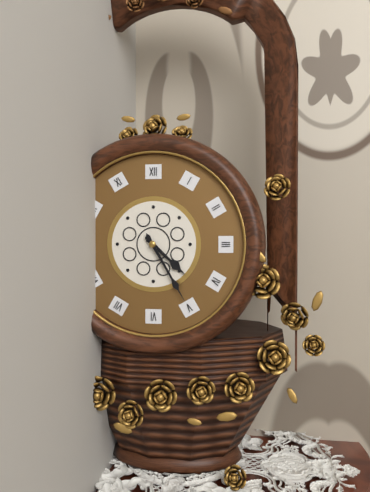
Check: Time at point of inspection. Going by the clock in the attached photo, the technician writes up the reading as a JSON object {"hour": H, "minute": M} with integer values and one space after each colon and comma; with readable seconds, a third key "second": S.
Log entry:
{"hour": 4, "minute": 25}
